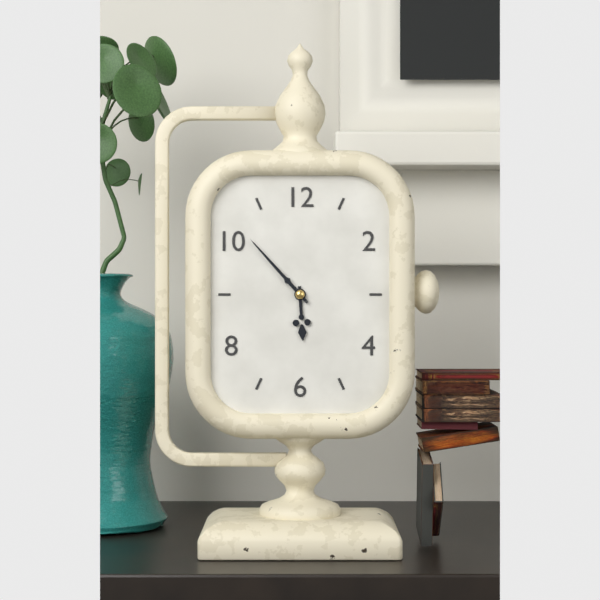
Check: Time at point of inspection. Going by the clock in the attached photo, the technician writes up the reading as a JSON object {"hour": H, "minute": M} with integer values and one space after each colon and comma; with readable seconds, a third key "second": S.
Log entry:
{"hour": 5, "minute": 53}
